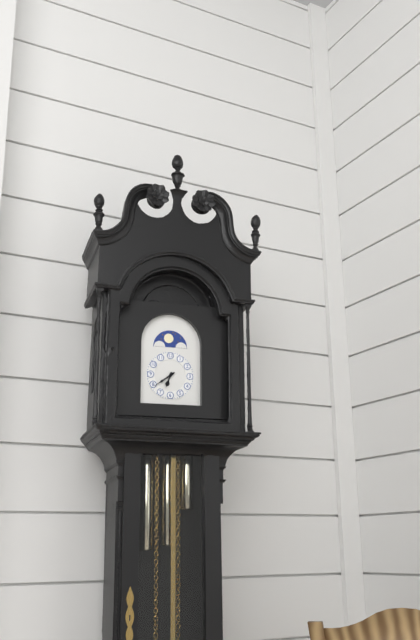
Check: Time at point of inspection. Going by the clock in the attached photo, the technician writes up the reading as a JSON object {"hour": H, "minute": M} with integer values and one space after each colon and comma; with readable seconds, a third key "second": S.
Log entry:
{"hour": 6, "minute": 39}
